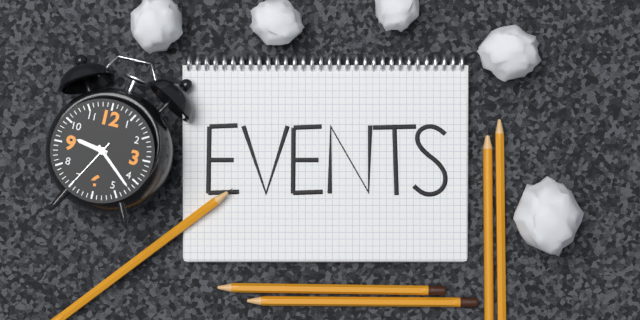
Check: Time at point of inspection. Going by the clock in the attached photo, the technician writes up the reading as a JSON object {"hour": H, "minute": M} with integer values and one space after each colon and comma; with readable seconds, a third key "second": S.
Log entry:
{"hour": 9, "minute": 22, "second": 35}
